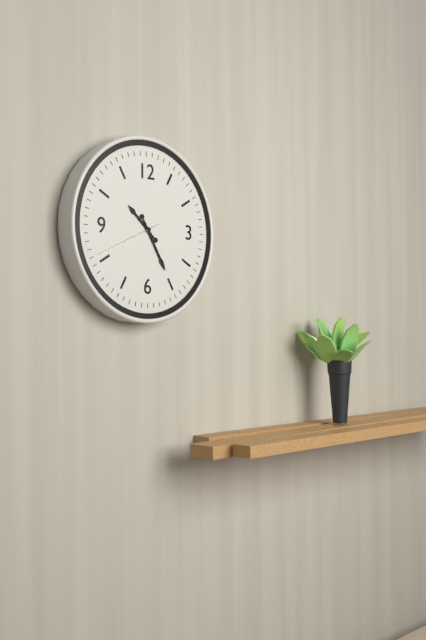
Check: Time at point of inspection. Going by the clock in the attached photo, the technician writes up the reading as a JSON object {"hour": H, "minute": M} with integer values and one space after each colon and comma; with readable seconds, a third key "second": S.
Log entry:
{"hour": 10, "minute": 25}
